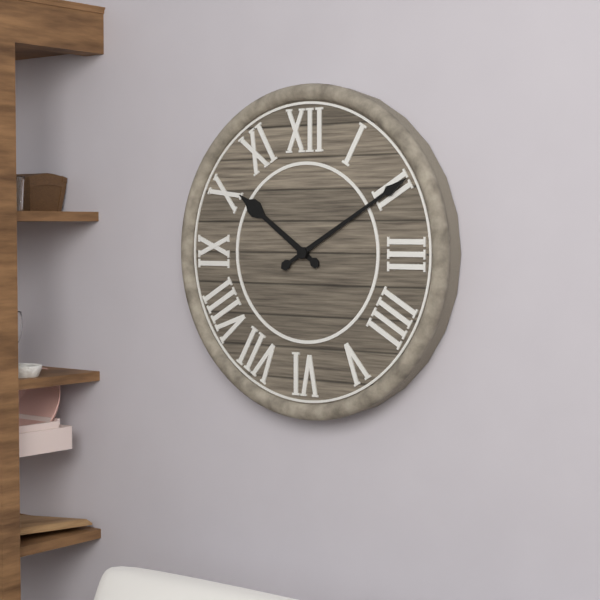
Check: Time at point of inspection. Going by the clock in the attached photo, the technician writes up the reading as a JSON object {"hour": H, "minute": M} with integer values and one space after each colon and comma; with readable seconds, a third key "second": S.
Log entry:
{"hour": 10, "minute": 10}
